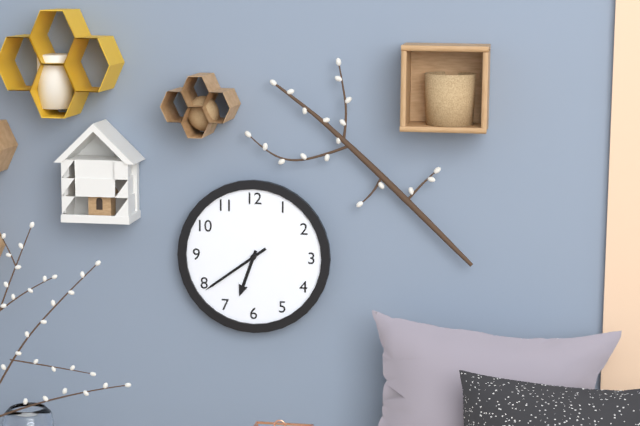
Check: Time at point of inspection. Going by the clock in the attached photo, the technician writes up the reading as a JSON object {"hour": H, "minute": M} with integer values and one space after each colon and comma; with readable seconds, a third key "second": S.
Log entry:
{"hour": 6, "minute": 39}
